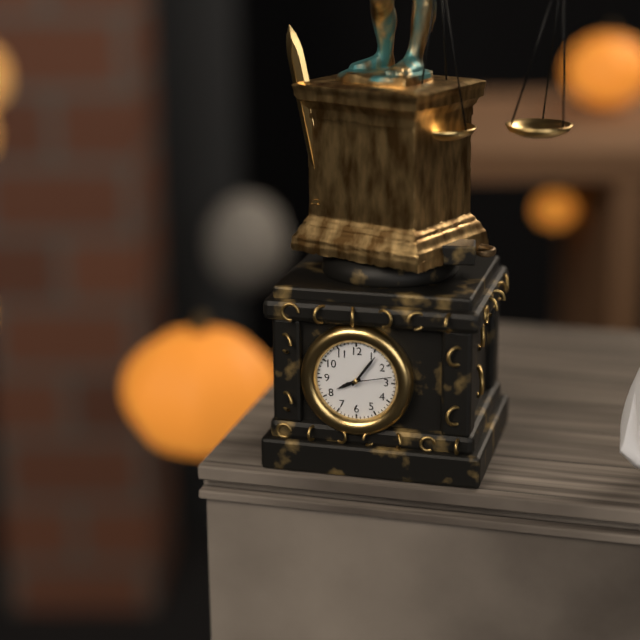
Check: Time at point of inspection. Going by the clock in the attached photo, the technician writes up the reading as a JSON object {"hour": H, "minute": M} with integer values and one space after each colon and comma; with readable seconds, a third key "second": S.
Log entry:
{"hour": 8, "minute": 6}
